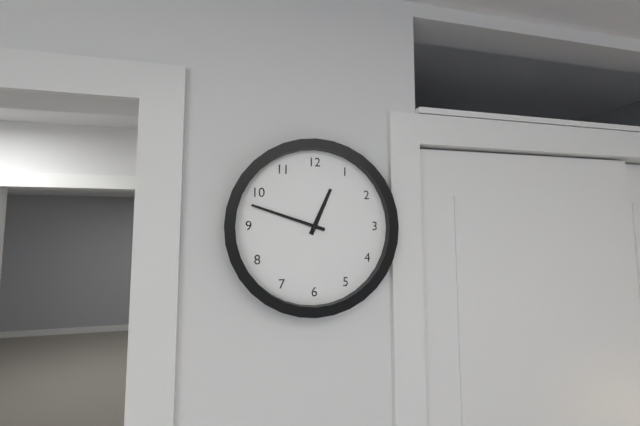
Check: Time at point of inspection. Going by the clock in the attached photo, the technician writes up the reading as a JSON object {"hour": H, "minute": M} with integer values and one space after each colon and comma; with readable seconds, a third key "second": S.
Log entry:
{"hour": 12, "minute": 48}
